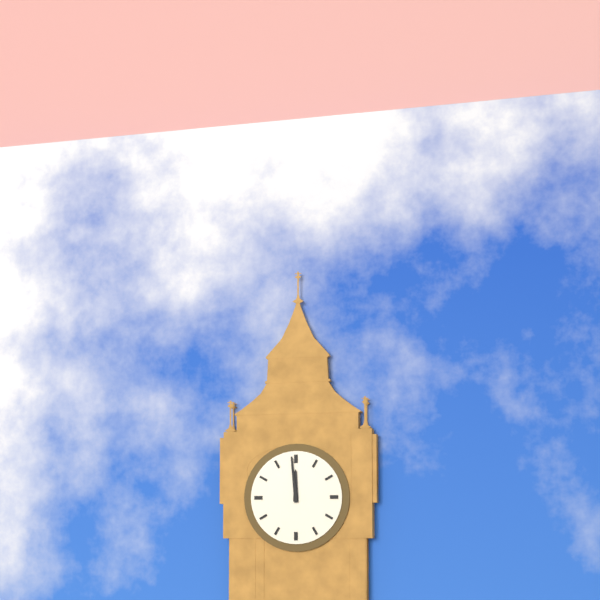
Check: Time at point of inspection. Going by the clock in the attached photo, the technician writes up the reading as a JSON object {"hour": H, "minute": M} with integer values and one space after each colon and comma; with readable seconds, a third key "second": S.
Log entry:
{"hour": 11, "minute": 59}
